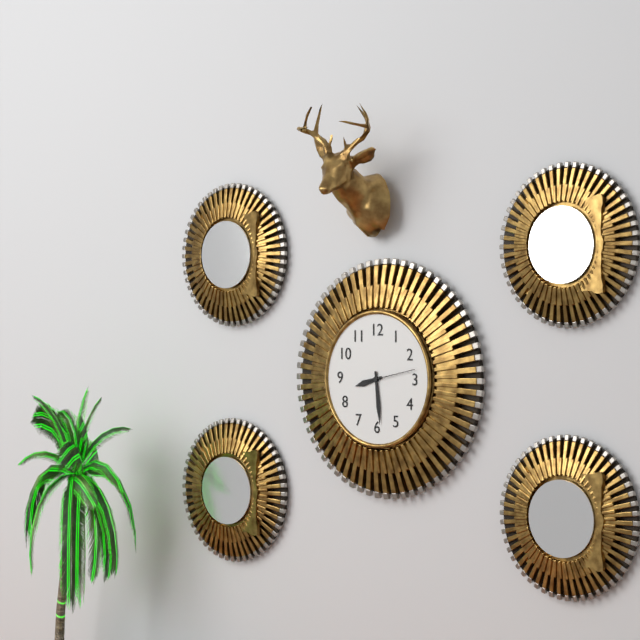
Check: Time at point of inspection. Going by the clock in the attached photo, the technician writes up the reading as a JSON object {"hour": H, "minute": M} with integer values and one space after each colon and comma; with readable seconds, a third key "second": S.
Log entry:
{"hour": 8, "minute": 29}
